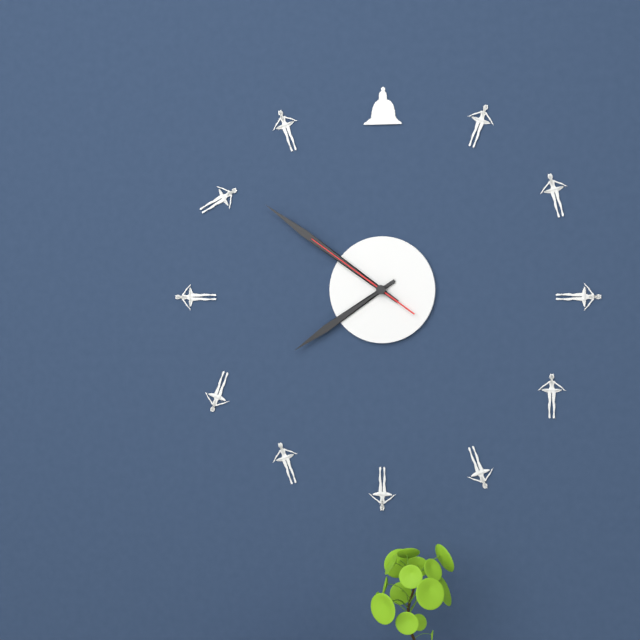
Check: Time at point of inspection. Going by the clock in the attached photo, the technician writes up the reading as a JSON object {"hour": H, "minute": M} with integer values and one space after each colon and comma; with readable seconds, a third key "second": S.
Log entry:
{"hour": 7, "minute": 51, "second": 51}
